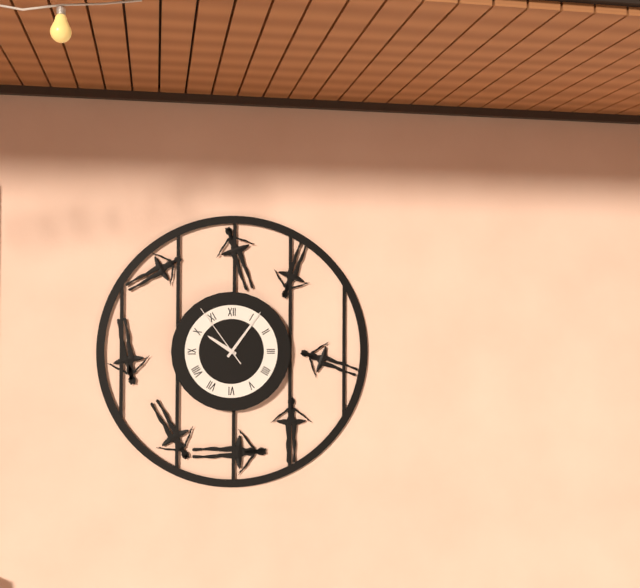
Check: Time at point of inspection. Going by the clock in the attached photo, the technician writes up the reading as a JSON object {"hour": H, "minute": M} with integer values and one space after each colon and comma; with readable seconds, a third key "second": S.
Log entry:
{"hour": 10, "minute": 6, "second": 54}
